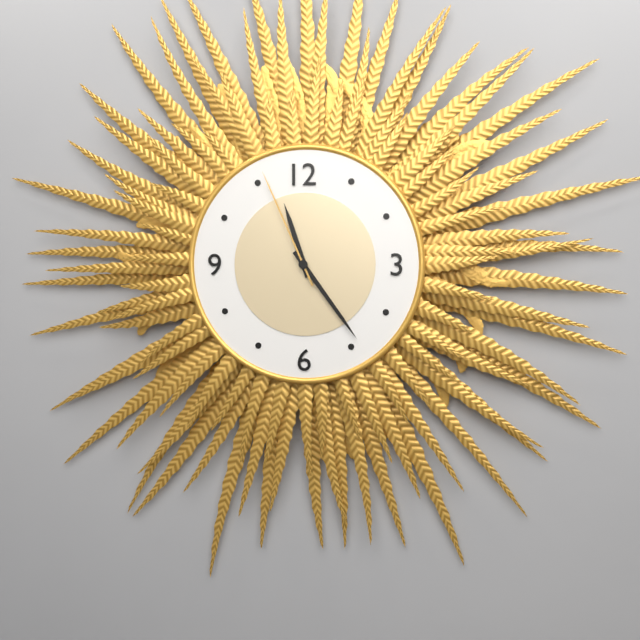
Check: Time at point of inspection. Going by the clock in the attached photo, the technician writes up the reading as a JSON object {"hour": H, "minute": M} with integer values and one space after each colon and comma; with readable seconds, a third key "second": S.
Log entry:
{"hour": 11, "minute": 24, "second": 56}
